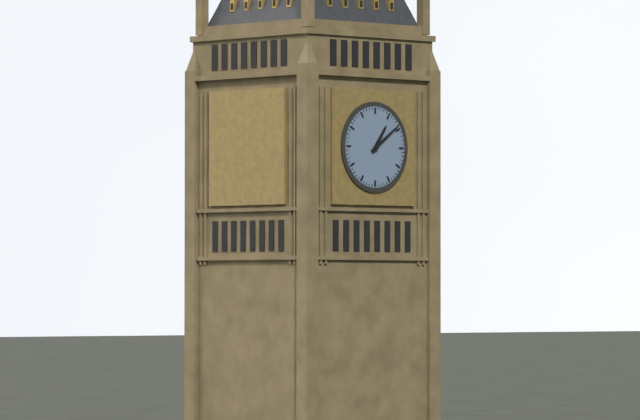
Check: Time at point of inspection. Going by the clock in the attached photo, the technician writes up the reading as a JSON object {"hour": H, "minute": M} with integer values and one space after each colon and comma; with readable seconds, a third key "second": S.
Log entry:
{"hour": 1, "minute": 9}
